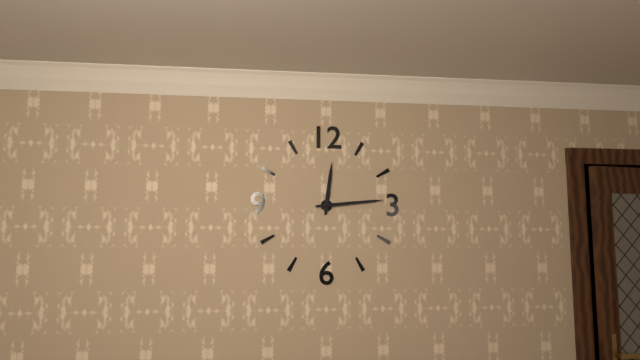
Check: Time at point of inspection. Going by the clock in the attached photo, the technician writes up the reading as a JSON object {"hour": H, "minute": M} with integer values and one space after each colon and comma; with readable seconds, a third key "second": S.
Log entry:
{"hour": 12, "minute": 14}
